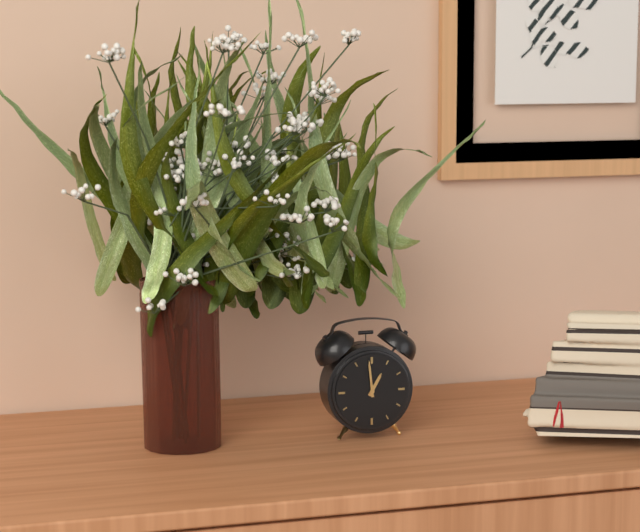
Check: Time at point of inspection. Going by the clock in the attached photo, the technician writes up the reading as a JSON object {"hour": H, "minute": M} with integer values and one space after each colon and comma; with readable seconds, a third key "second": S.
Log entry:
{"hour": 12, "minute": 59}
